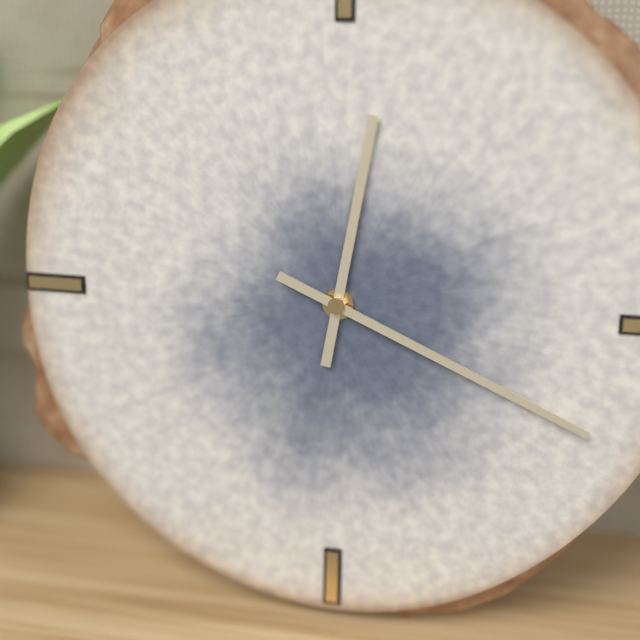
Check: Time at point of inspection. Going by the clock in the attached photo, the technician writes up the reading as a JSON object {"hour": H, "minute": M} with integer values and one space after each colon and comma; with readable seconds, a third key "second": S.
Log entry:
{"hour": 12, "minute": 19}
